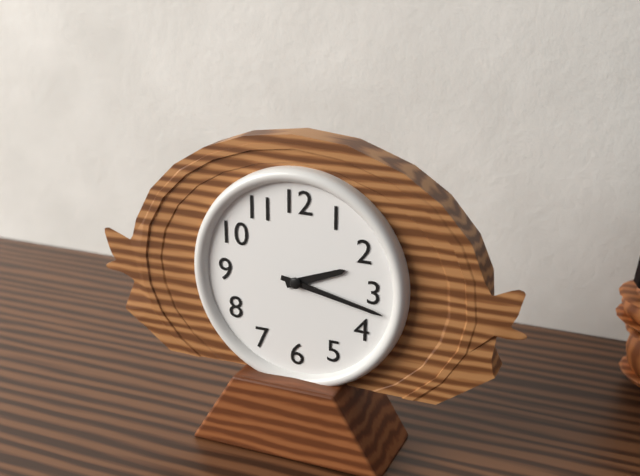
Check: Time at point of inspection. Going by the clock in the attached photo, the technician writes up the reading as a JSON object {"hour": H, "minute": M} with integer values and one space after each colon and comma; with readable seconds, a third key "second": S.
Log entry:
{"hour": 2, "minute": 17}
